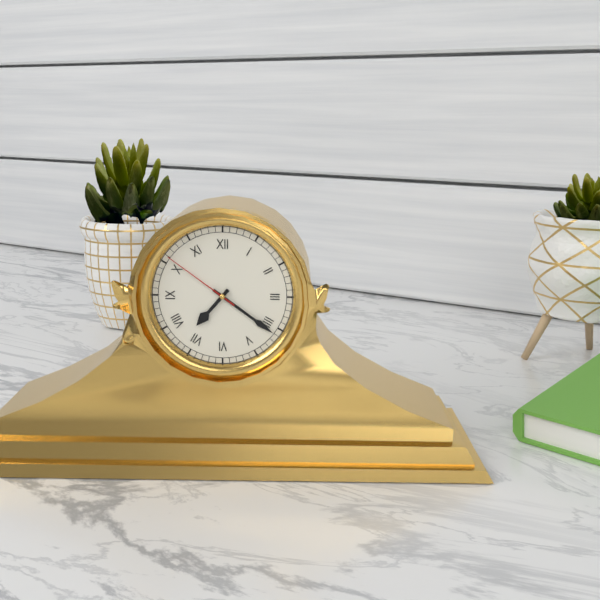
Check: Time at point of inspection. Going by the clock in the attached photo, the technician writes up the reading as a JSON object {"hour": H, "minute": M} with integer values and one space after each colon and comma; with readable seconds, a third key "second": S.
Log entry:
{"hour": 7, "minute": 21, "second": 51}
